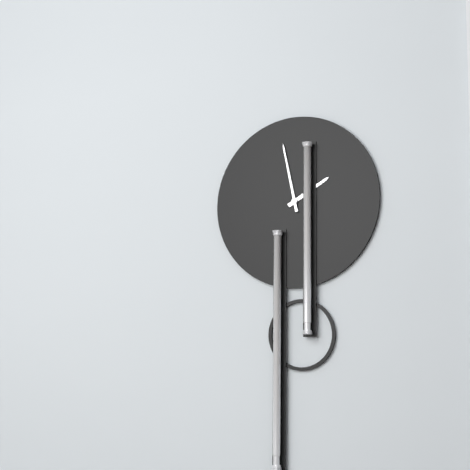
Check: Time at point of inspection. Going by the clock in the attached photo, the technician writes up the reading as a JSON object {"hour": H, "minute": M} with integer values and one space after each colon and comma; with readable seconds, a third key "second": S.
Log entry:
{"hour": 1, "minute": 58}
